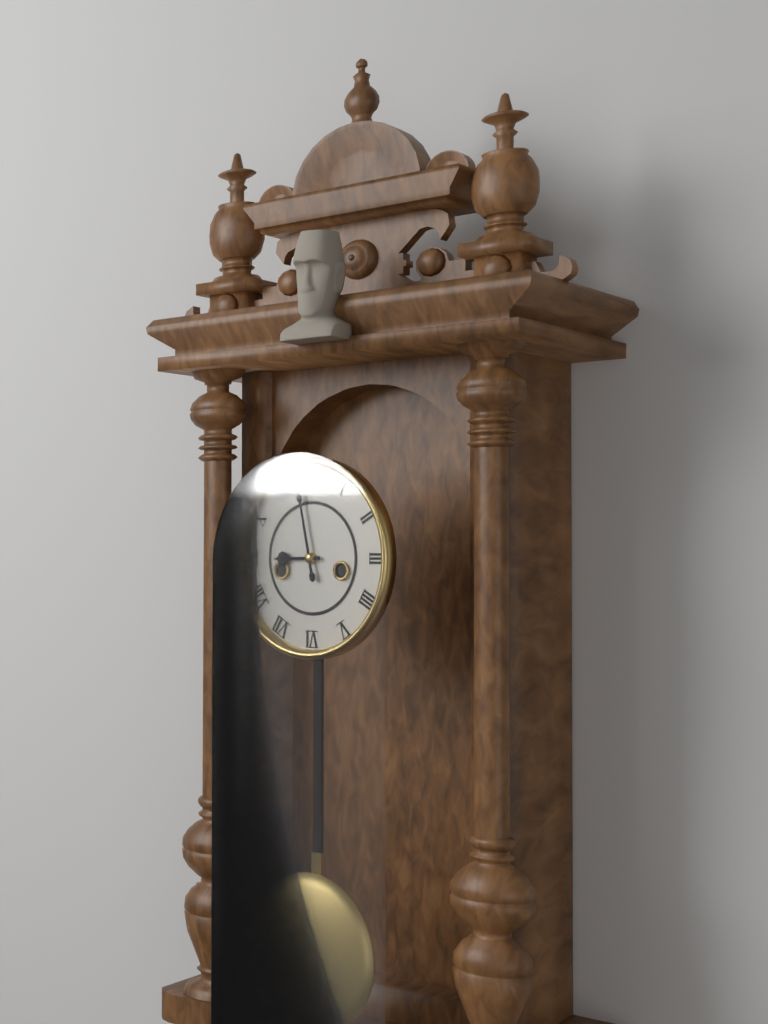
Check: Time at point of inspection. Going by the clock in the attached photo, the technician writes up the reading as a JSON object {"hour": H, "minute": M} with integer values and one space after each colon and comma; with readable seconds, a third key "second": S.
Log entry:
{"hour": 8, "minute": 58}
